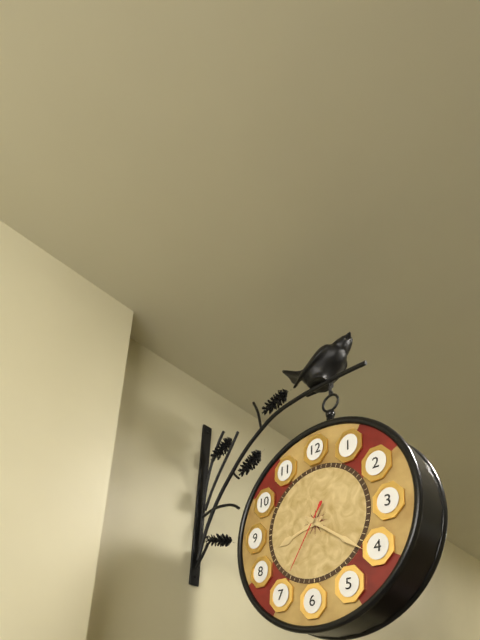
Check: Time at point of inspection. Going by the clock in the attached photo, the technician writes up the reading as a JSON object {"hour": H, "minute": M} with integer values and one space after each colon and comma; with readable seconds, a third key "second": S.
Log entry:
{"hour": 8, "minute": 21, "second": 35}
